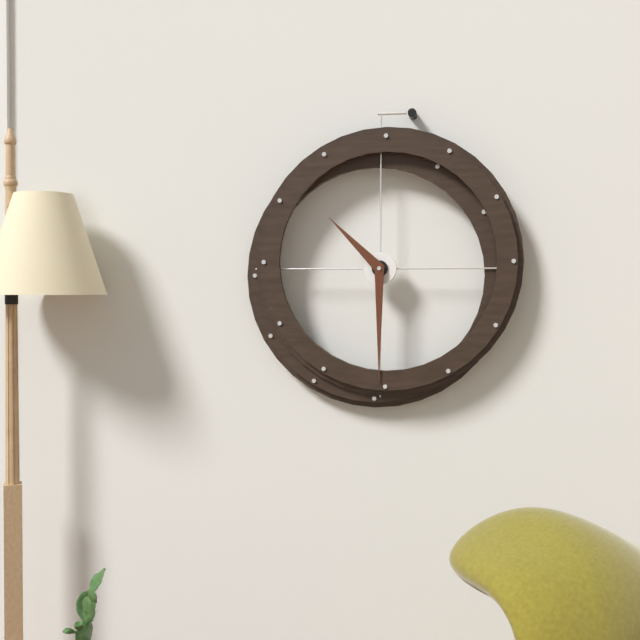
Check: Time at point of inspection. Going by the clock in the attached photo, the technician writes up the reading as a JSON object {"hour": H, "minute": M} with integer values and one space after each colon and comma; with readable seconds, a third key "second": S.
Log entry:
{"hour": 10, "minute": 30}
